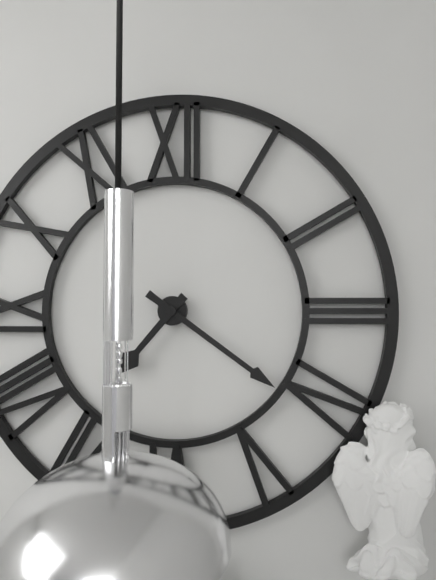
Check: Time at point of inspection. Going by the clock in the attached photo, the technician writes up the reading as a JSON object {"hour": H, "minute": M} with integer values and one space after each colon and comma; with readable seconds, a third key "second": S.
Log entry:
{"hour": 7, "minute": 21}
